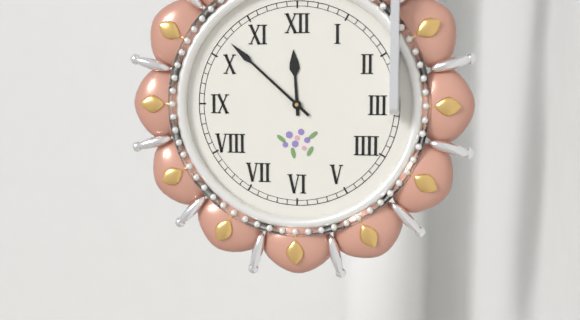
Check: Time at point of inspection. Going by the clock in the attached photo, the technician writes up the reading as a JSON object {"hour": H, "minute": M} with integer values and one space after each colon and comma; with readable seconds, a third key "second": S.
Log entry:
{"hour": 11, "minute": 52}
